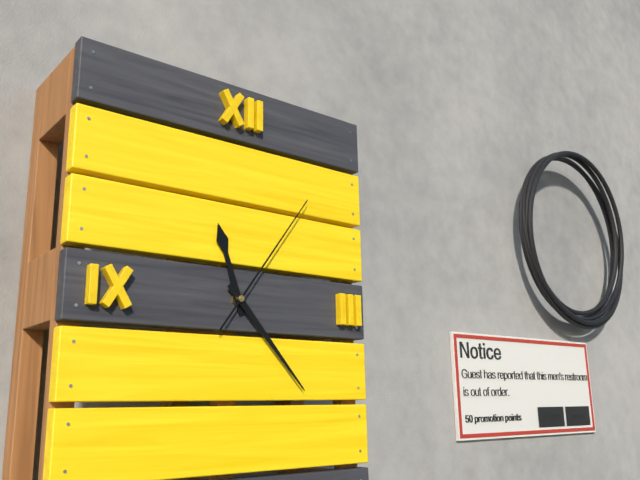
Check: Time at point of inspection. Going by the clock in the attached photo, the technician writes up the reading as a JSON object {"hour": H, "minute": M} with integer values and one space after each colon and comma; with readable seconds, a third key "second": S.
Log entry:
{"hour": 11, "minute": 23, "second": 6}
